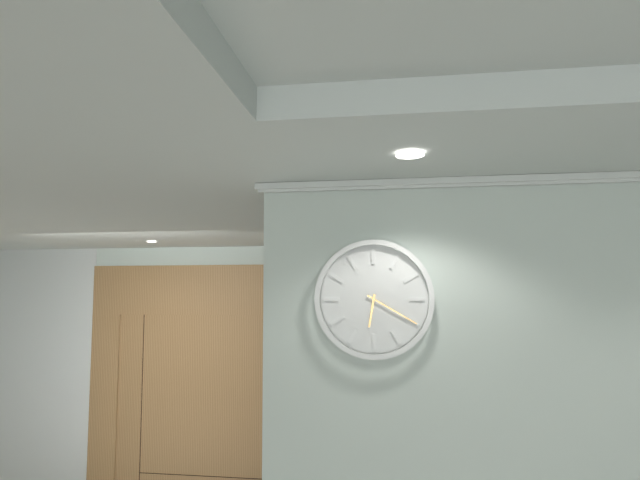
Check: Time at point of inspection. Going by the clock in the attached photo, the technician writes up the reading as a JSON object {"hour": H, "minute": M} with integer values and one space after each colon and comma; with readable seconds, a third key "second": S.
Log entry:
{"hour": 6, "minute": 20}
